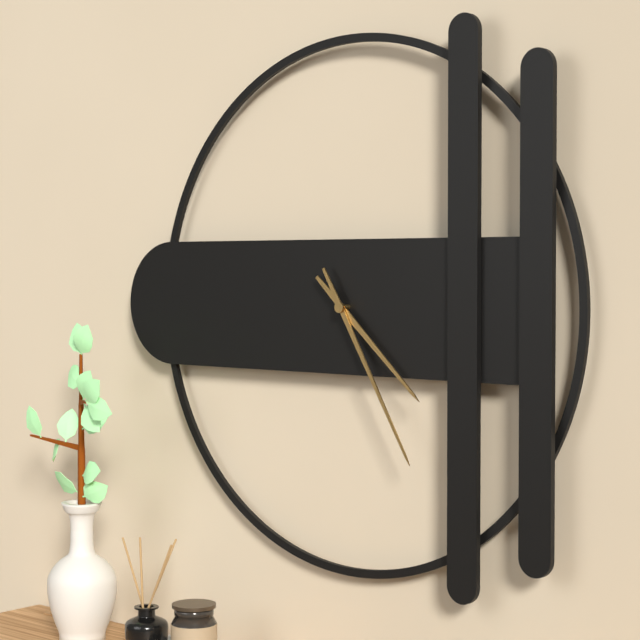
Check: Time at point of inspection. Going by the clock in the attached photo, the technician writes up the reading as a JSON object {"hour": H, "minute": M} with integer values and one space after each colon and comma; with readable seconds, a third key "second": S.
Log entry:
{"hour": 4, "minute": 25}
